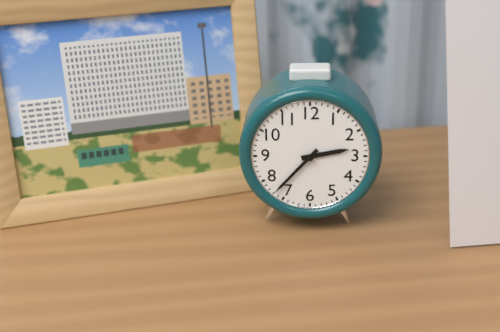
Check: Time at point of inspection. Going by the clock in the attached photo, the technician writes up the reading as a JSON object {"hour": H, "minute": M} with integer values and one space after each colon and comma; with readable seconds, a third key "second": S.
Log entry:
{"hour": 2, "minute": 37}
